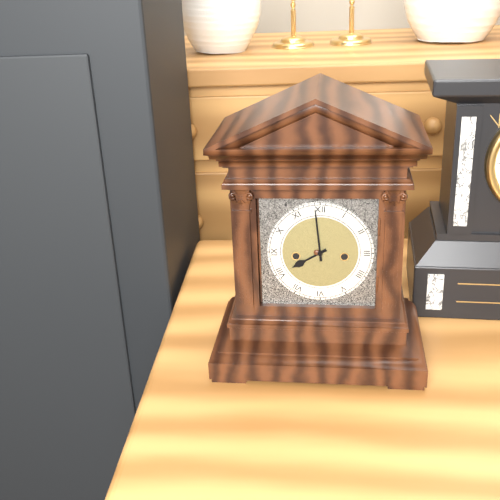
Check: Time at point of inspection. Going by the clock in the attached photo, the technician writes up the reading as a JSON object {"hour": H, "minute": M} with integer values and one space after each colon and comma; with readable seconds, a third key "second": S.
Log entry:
{"hour": 7, "minute": 59}
